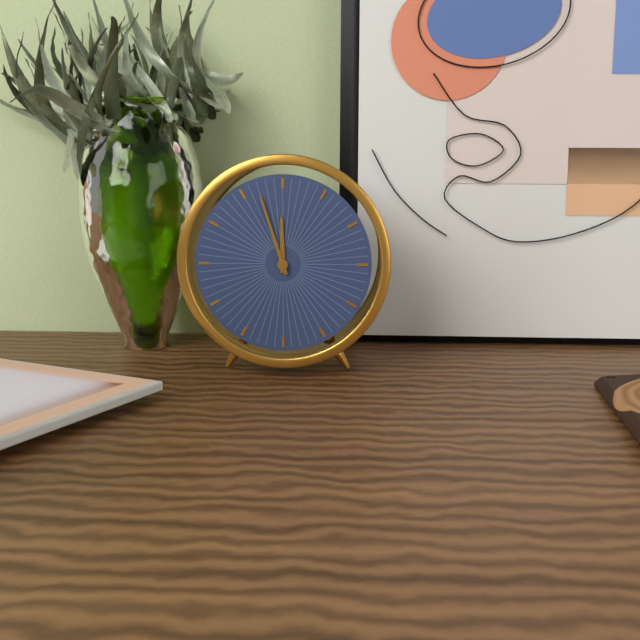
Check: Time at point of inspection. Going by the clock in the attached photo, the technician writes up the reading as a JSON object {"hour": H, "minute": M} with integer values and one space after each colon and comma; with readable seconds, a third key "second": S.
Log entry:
{"hour": 11, "minute": 57}
